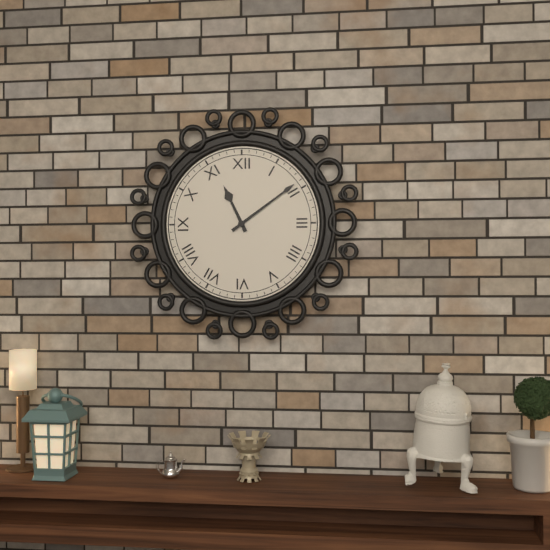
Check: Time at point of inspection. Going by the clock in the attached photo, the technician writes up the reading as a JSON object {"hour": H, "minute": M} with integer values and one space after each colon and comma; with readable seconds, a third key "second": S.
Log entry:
{"hour": 11, "minute": 9}
